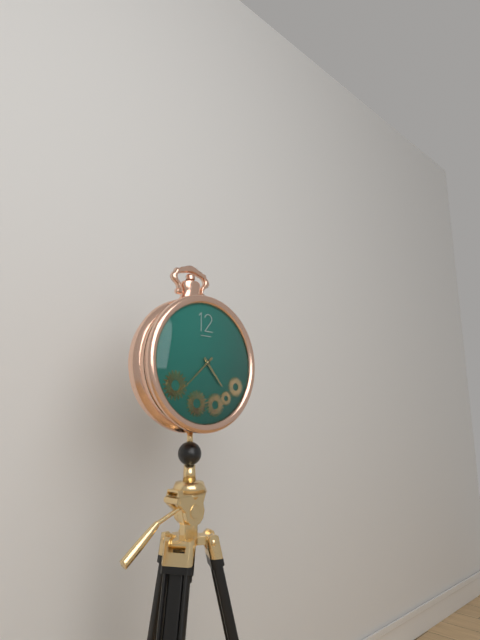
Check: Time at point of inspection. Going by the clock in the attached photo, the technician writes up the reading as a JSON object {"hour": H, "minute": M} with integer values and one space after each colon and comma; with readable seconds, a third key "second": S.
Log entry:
{"hour": 4, "minute": 38}
